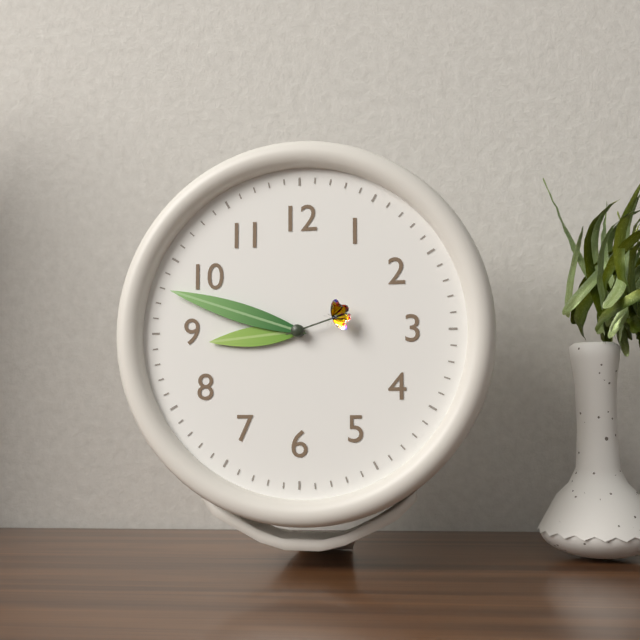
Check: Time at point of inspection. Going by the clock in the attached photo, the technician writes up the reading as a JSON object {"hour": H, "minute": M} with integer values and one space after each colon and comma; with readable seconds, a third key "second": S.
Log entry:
{"hour": 8, "minute": 48, "second": 12}
